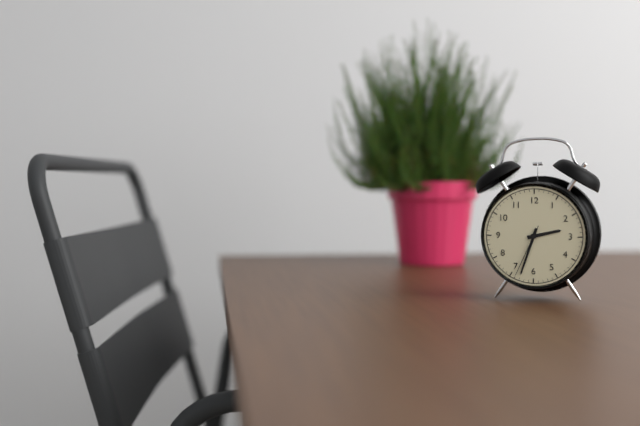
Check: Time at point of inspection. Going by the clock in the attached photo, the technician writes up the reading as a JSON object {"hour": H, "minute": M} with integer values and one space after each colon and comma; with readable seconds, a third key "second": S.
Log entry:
{"hour": 2, "minute": 33, "second": 34}
